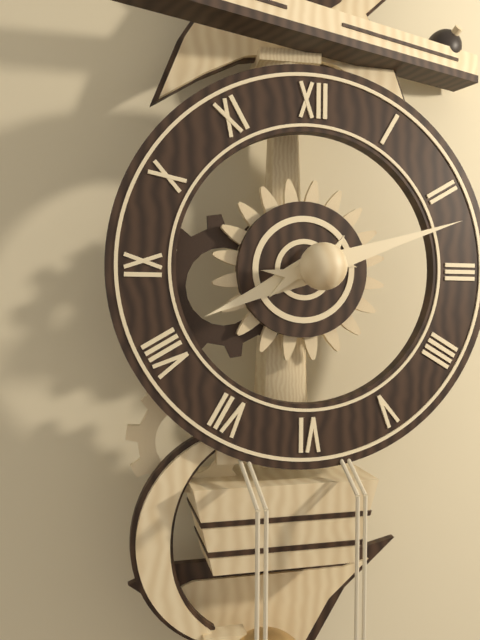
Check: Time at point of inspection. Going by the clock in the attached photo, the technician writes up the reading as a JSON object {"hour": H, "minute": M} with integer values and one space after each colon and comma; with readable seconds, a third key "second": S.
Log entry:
{"hour": 8, "minute": 12}
